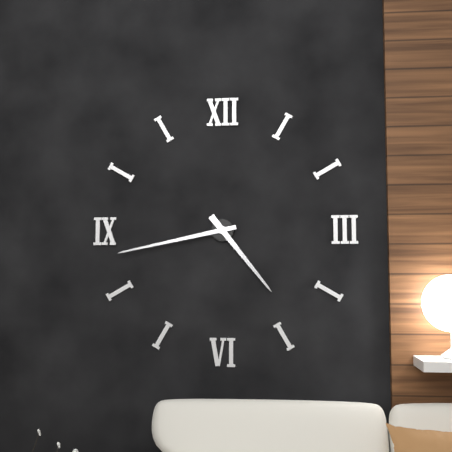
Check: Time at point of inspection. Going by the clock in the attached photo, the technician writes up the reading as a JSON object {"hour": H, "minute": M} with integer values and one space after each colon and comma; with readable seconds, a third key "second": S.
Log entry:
{"hour": 4, "minute": 43}
